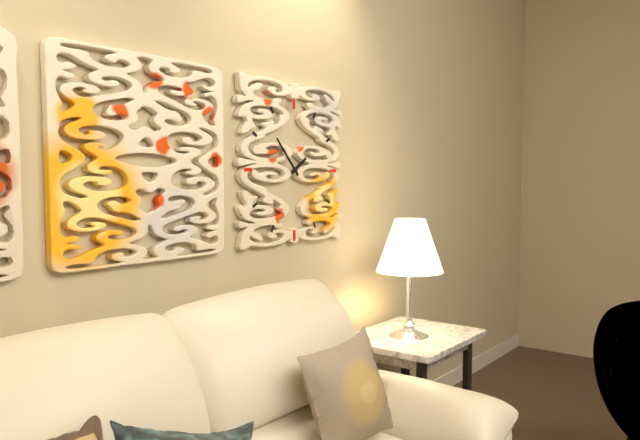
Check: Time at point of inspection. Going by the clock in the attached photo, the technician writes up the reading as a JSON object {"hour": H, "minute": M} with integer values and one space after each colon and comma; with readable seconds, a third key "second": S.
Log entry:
{"hour": 1, "minute": 53}
